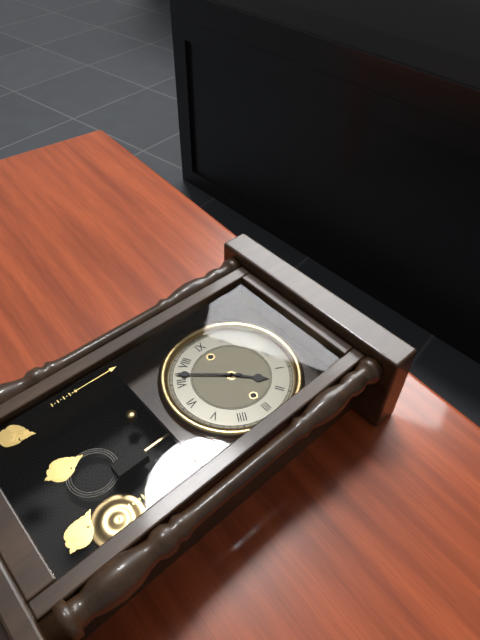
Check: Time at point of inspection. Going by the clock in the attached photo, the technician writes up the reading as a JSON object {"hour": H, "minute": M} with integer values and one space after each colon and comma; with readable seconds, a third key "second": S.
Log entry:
{"hour": 1, "minute": 37}
